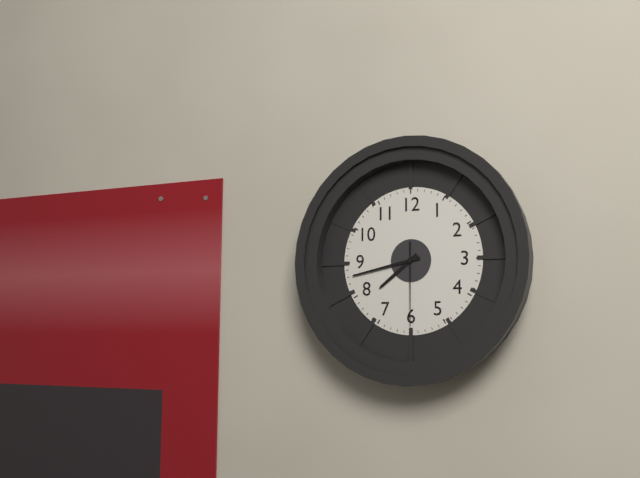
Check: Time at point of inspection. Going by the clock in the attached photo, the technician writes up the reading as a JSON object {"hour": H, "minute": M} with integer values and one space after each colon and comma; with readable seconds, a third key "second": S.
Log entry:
{"hour": 7, "minute": 43, "second": 30}
